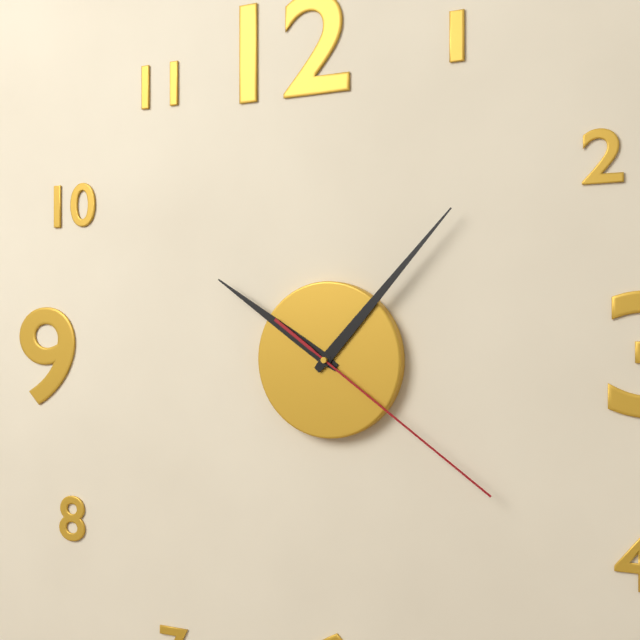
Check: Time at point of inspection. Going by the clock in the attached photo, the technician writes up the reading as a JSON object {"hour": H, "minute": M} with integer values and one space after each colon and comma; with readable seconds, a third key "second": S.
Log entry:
{"hour": 10, "minute": 7, "second": 21}
